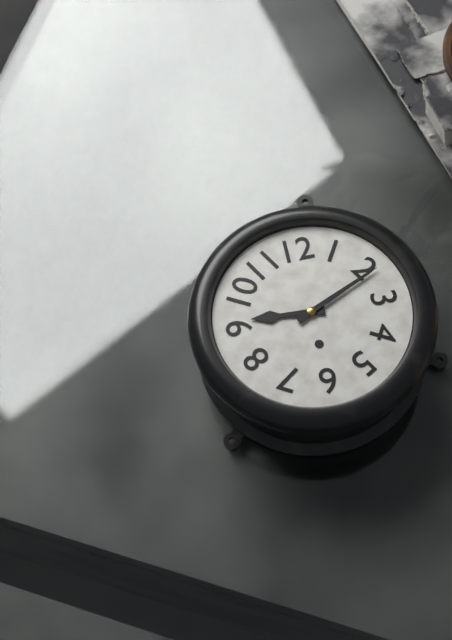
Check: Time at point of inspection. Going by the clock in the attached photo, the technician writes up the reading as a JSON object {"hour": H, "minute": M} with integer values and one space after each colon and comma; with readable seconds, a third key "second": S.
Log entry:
{"hour": 9, "minute": 11}
